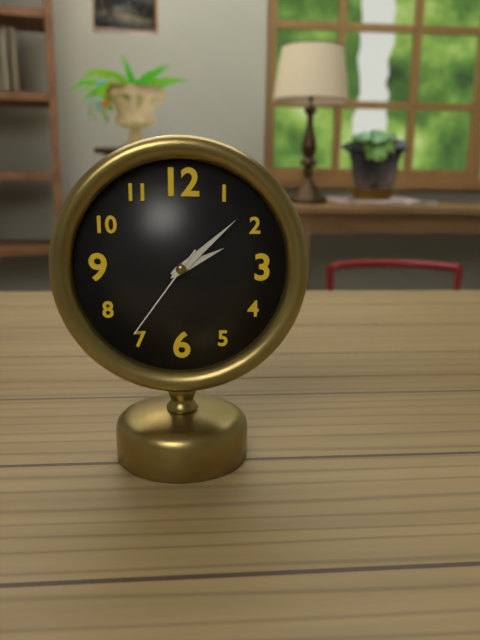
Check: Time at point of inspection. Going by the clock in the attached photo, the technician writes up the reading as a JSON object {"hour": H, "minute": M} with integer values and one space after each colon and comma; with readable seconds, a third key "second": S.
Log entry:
{"hour": 2, "minute": 8, "second": 36}
